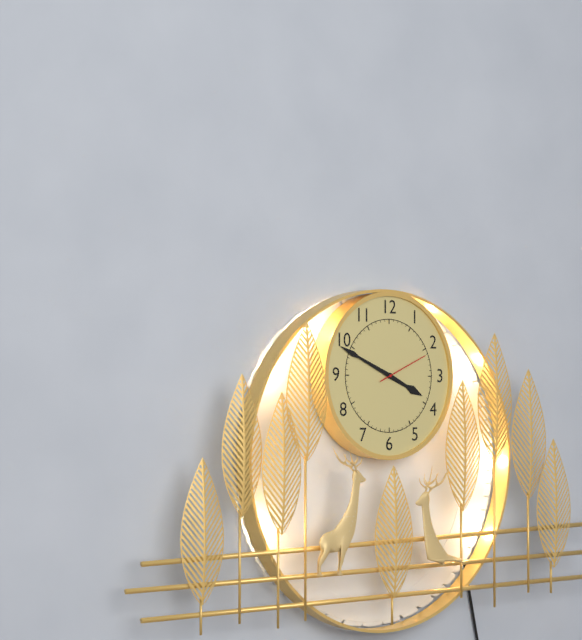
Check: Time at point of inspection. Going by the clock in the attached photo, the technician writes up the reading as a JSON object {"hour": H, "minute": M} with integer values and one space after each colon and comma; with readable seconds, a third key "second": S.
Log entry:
{"hour": 3, "minute": 49, "second": 11}
